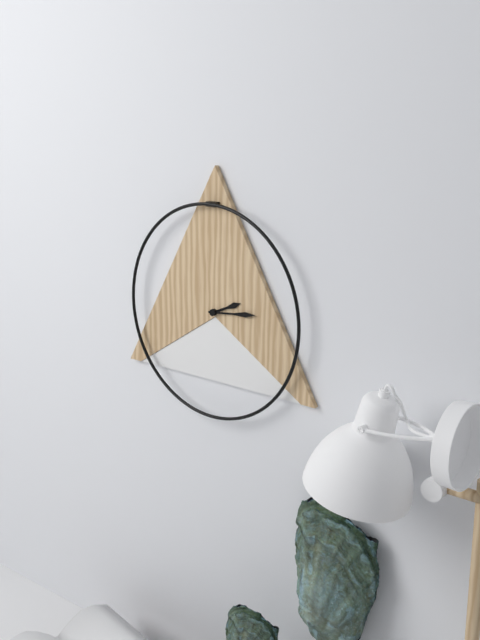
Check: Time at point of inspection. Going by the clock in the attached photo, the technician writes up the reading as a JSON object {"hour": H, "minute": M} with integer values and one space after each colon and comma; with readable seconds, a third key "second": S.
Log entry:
{"hour": 2, "minute": 14}
